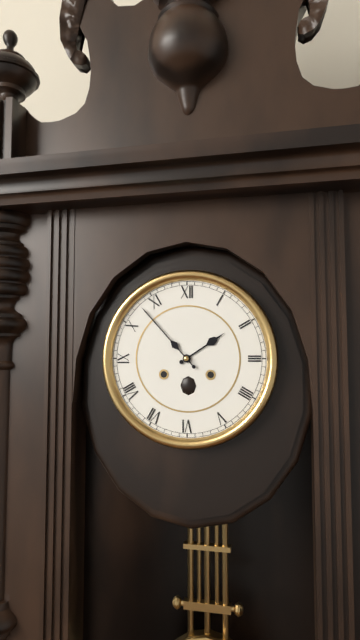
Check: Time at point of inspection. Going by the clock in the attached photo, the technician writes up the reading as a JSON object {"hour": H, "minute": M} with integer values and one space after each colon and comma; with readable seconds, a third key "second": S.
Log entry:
{"hour": 1, "minute": 53}
